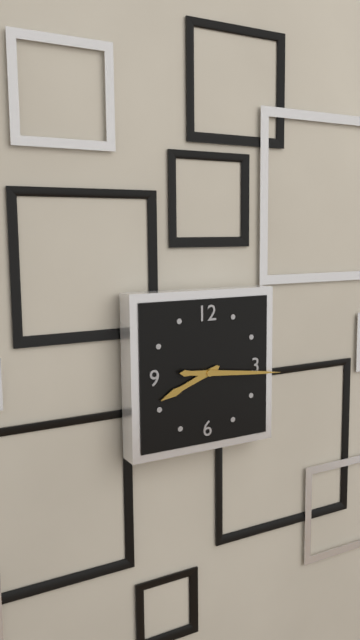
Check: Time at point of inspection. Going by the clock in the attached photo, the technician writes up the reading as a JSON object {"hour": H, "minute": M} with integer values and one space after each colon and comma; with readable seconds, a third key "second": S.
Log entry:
{"hour": 8, "minute": 16}
